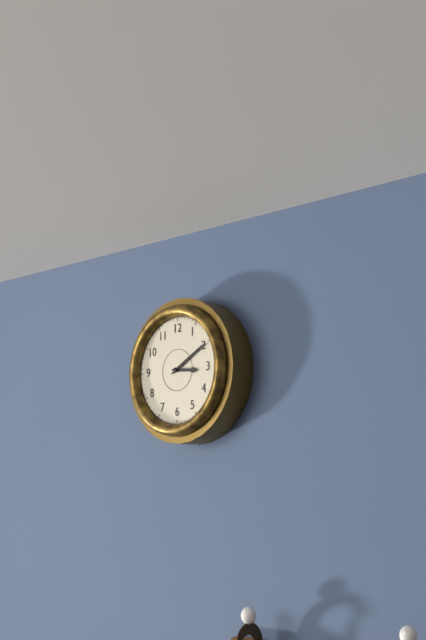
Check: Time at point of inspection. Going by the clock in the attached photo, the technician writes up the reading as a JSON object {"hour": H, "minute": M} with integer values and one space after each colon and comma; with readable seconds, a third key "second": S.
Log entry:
{"hour": 3, "minute": 10}
